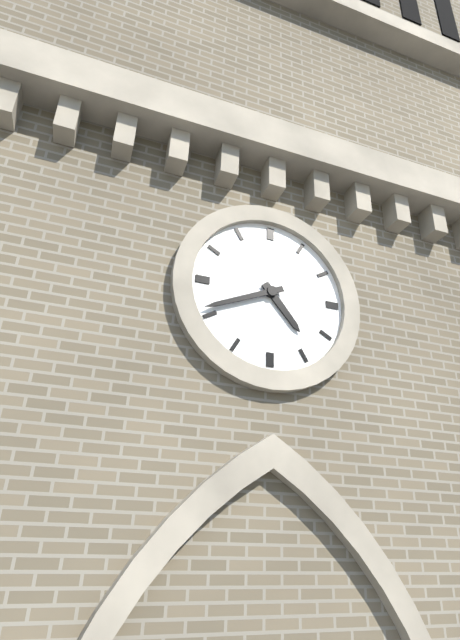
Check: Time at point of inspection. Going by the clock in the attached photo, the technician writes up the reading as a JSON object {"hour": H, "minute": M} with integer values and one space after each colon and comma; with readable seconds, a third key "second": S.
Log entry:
{"hour": 4, "minute": 41}
